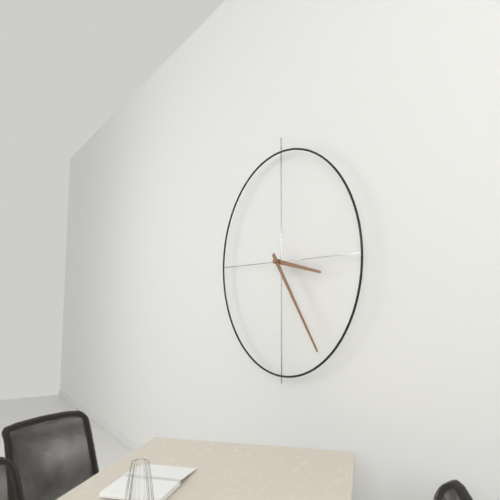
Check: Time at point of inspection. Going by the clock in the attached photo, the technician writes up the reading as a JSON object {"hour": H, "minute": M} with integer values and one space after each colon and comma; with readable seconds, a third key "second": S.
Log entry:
{"hour": 3, "minute": 24}
